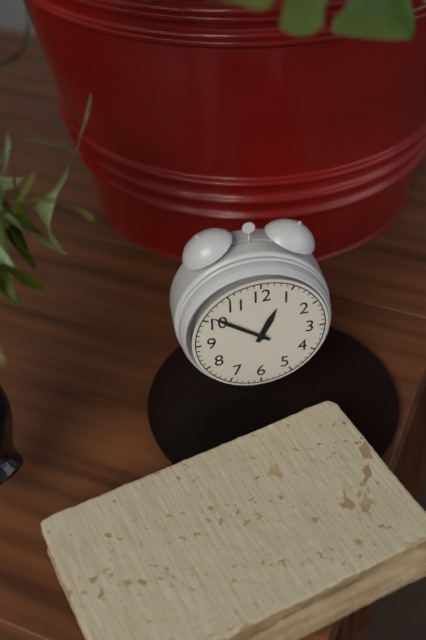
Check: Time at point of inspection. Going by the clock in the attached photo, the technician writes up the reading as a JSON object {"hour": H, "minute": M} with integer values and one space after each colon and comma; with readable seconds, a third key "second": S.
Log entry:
{"hour": 12, "minute": 51}
